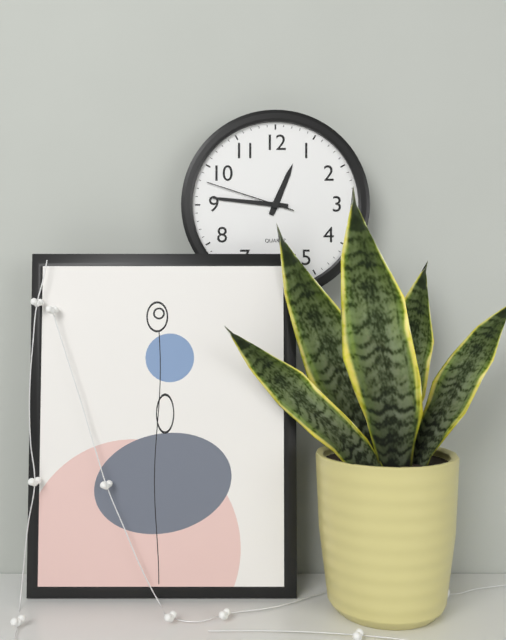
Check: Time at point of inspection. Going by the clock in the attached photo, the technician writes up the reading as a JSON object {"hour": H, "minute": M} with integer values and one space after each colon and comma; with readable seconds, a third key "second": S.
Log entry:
{"hour": 12, "minute": 46, "second": 48}
